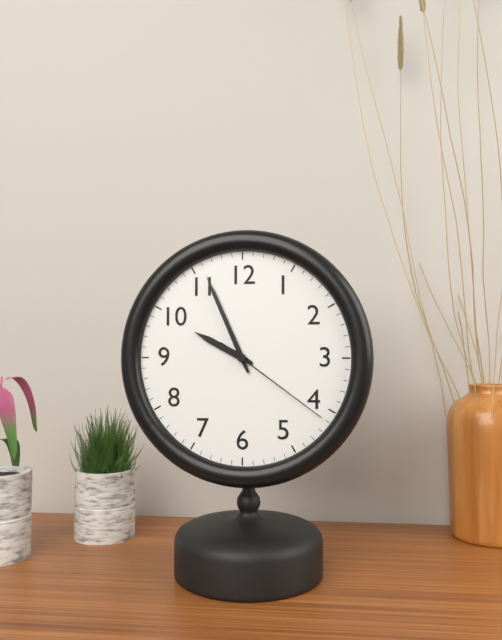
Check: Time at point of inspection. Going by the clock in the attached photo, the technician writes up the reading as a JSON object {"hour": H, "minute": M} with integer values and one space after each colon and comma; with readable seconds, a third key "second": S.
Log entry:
{"hour": 9, "minute": 56, "second": 21}
